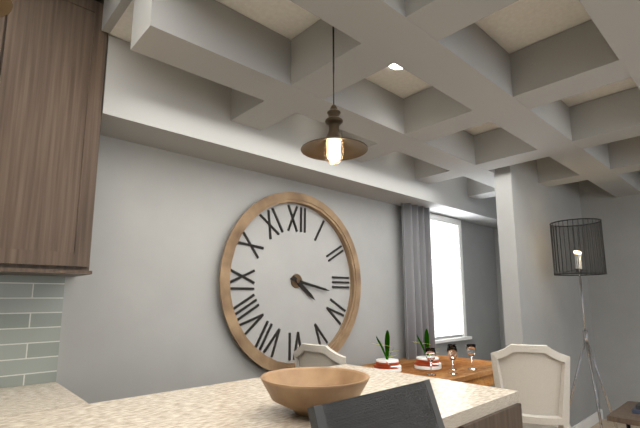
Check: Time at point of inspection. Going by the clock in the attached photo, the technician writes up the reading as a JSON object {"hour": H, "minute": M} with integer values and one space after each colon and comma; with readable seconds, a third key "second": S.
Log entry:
{"hour": 4, "minute": 17}
